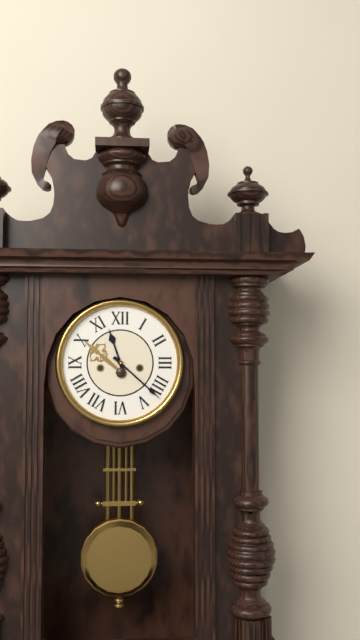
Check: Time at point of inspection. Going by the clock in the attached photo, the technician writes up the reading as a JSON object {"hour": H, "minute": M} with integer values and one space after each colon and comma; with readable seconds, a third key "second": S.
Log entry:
{"hour": 11, "minute": 22}
